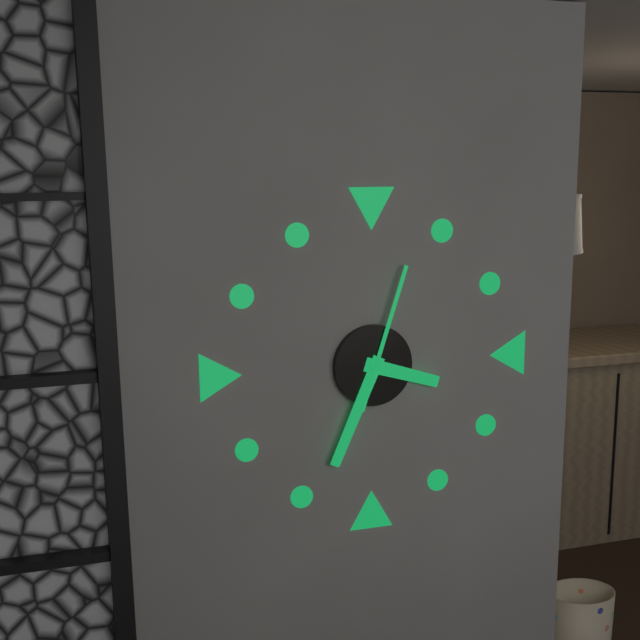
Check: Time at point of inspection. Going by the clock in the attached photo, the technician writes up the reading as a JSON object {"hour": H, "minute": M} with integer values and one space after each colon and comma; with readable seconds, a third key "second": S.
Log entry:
{"hour": 3, "minute": 34, "second": 3}
